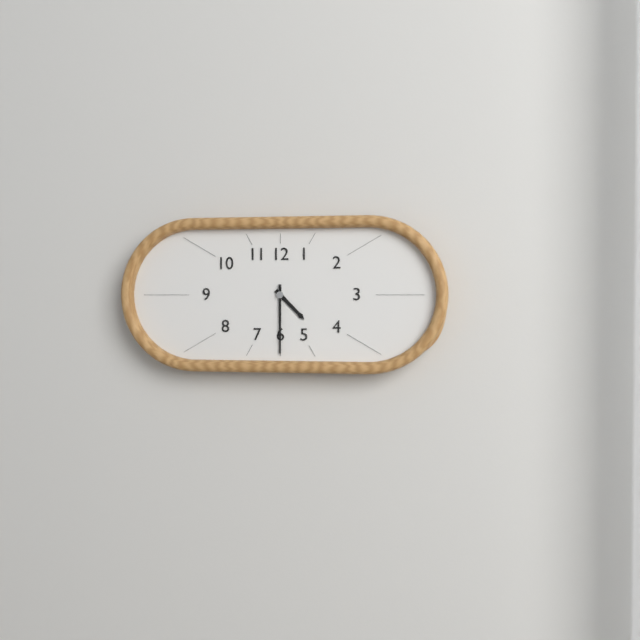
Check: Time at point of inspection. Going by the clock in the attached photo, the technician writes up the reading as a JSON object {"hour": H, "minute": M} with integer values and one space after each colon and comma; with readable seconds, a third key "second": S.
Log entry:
{"hour": 4, "minute": 30}
